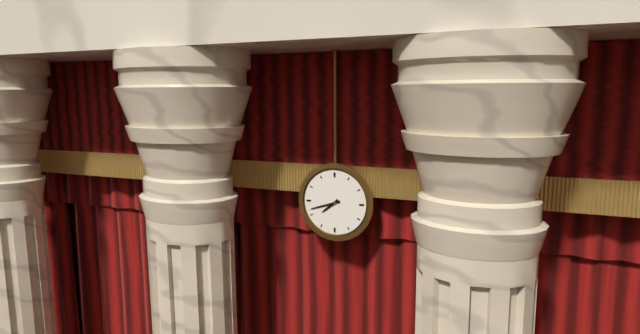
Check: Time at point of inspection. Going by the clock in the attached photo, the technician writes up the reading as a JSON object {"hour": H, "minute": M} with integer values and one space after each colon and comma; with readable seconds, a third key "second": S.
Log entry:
{"hour": 7, "minute": 42}
